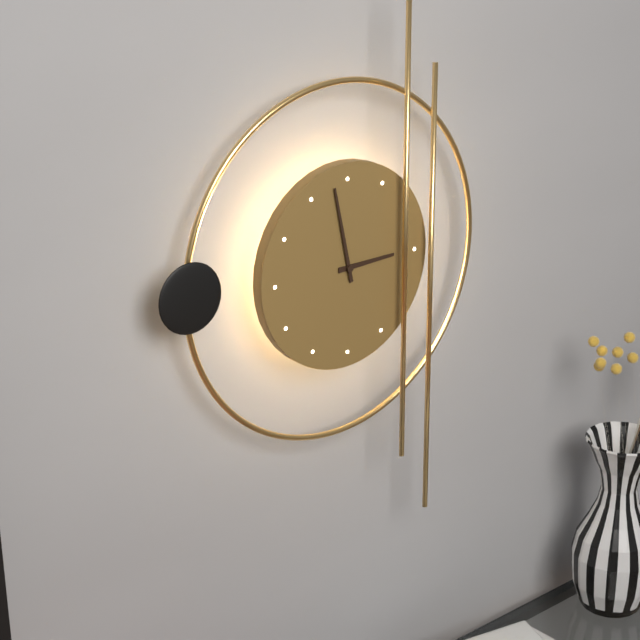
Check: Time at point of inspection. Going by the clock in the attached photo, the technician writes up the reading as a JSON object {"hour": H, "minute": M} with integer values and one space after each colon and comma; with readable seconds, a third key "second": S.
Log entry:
{"hour": 2, "minute": 58}
